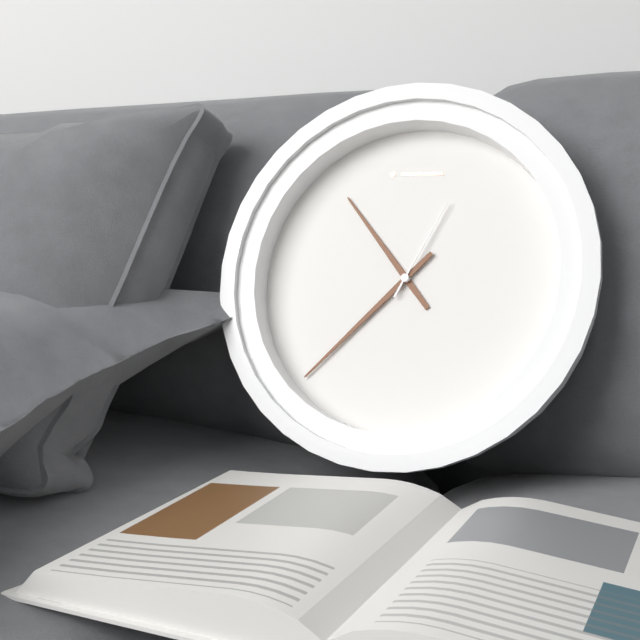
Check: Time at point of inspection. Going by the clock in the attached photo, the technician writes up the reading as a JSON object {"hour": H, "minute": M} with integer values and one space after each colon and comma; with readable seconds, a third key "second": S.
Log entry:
{"hour": 10, "minute": 37, "second": 4}
